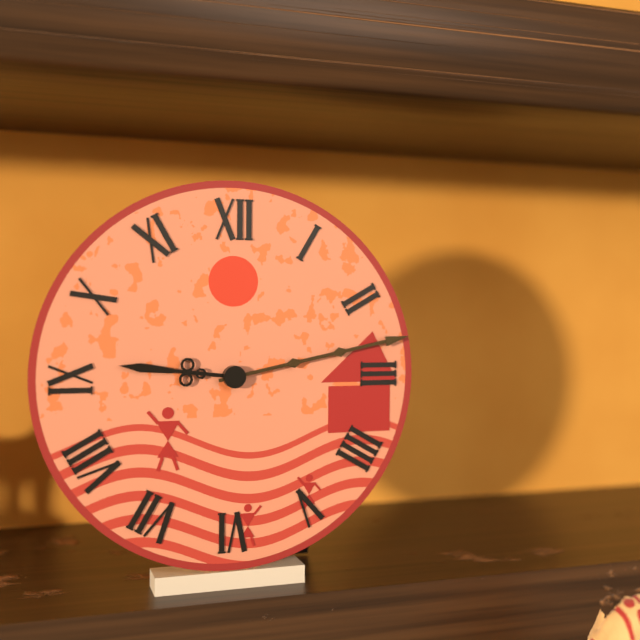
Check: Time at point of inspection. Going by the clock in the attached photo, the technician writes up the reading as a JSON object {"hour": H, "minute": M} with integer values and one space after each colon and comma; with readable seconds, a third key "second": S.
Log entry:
{"hour": 9, "minute": 13}
